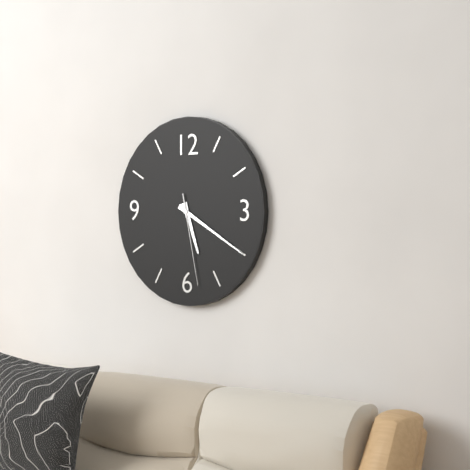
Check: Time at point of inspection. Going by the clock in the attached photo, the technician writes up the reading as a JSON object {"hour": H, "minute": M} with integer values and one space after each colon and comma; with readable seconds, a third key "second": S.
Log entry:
{"hour": 5, "minute": 20, "second": 28}
